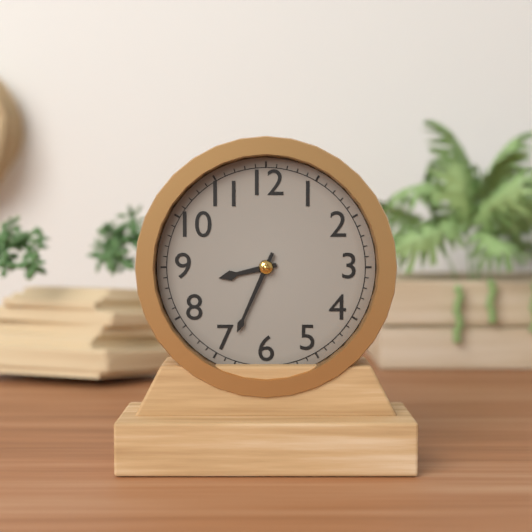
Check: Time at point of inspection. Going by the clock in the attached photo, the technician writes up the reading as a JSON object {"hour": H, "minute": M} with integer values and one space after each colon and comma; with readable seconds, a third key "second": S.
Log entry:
{"hour": 8, "minute": 34}
